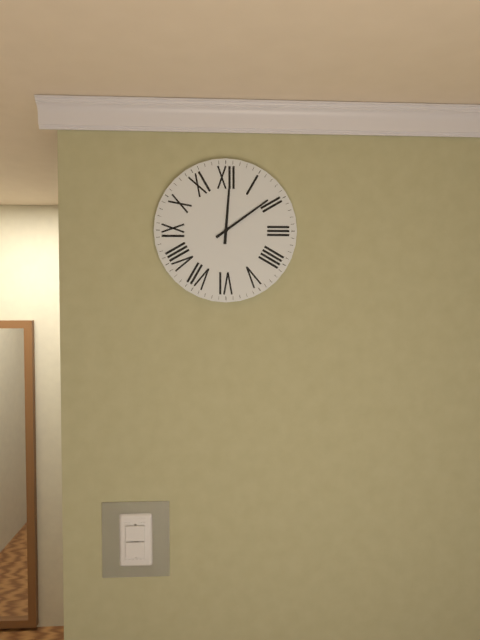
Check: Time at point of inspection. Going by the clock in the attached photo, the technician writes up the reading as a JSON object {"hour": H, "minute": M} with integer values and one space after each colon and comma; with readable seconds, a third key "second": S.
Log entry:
{"hour": 12, "minute": 9}
